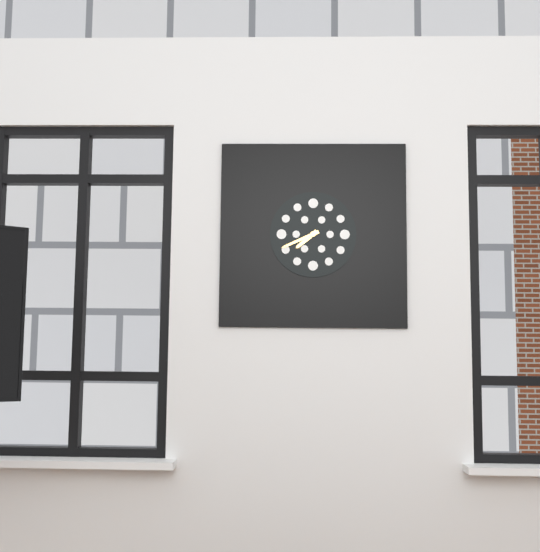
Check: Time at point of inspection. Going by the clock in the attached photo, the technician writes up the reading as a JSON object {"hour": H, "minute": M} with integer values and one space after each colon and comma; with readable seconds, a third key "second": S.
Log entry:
{"hour": 7, "minute": 41}
